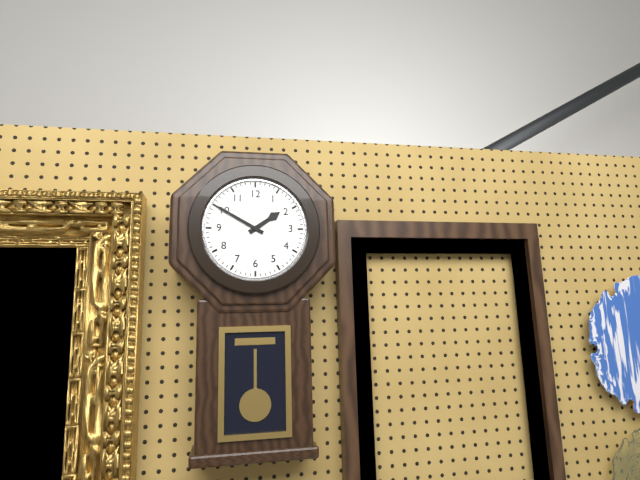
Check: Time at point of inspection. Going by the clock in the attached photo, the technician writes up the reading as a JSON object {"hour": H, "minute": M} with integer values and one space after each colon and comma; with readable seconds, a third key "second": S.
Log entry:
{"hour": 1, "minute": 50}
